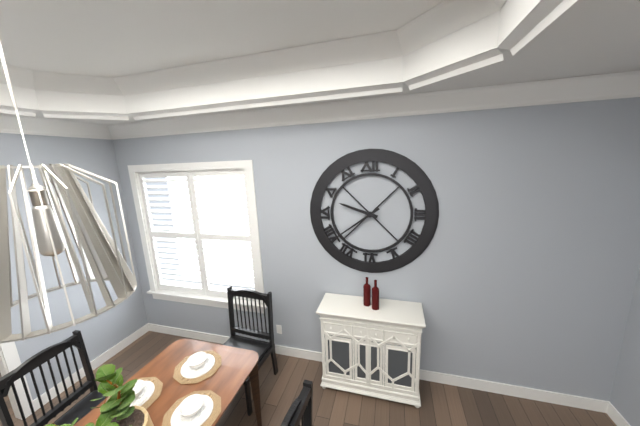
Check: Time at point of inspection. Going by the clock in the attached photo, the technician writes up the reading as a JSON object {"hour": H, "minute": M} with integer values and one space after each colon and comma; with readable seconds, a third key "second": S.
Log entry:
{"hour": 9, "minute": 39}
